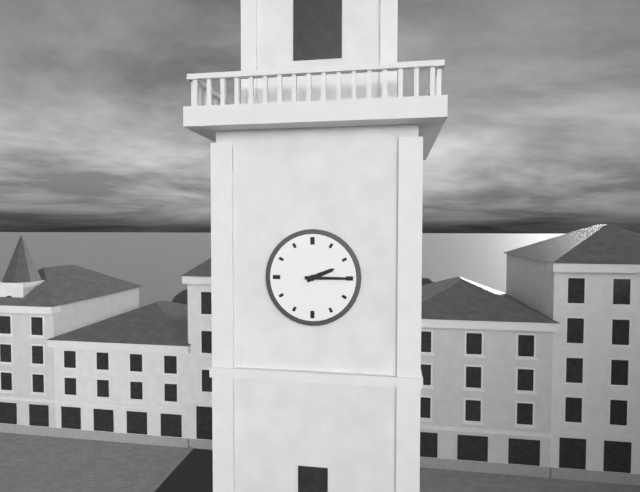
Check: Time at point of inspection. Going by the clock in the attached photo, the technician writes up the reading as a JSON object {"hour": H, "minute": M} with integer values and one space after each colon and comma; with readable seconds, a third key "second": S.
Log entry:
{"hour": 2, "minute": 15}
